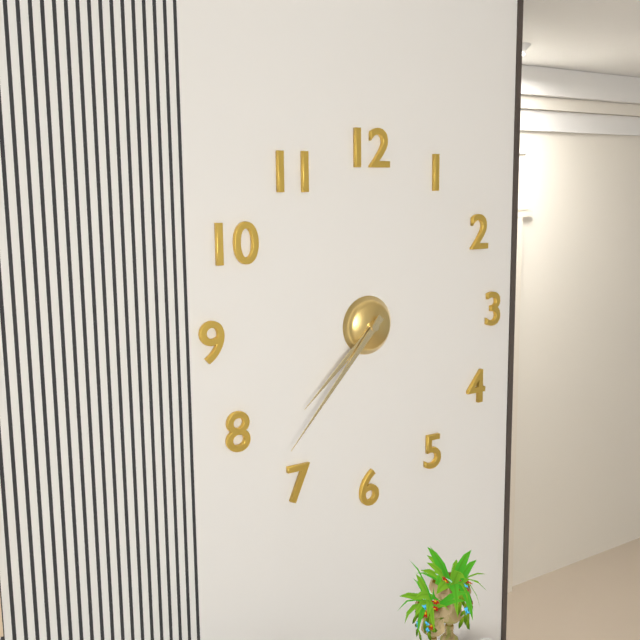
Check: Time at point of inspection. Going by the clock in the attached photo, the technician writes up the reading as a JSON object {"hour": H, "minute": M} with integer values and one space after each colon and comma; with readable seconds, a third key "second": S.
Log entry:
{"hour": 7, "minute": 37}
